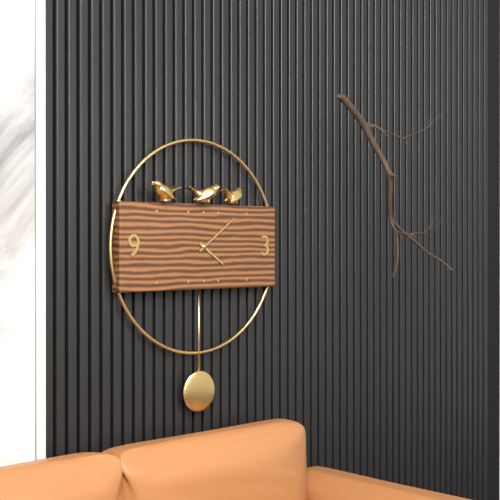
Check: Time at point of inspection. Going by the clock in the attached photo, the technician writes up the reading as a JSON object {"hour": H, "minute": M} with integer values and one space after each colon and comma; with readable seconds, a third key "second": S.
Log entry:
{"hour": 4, "minute": 9}
